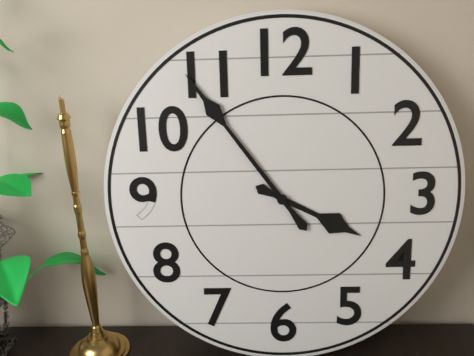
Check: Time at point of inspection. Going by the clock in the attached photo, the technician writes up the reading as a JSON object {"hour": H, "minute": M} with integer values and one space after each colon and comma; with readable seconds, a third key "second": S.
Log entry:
{"hour": 3, "minute": 54}
